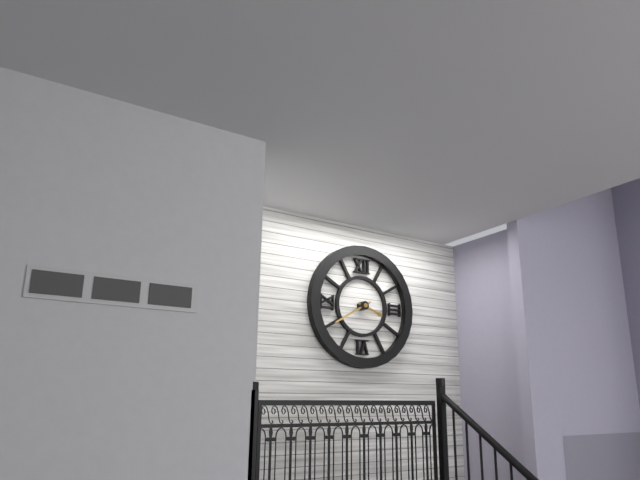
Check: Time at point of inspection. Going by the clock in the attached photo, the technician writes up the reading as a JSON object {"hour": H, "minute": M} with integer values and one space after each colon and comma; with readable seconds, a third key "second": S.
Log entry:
{"hour": 3, "minute": 40}
